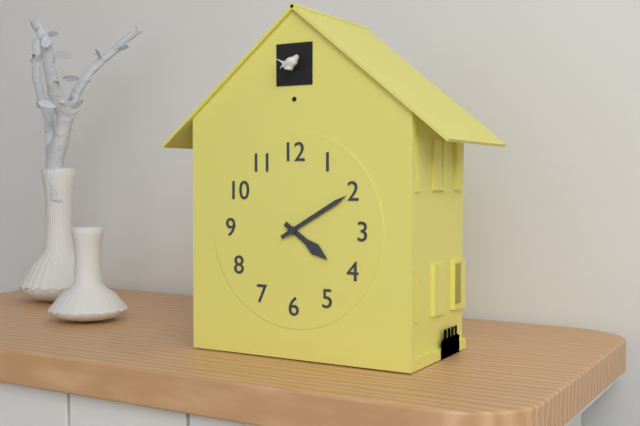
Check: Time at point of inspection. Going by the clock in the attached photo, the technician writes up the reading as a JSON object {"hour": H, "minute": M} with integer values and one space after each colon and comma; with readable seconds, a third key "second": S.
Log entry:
{"hour": 4, "minute": 10}
